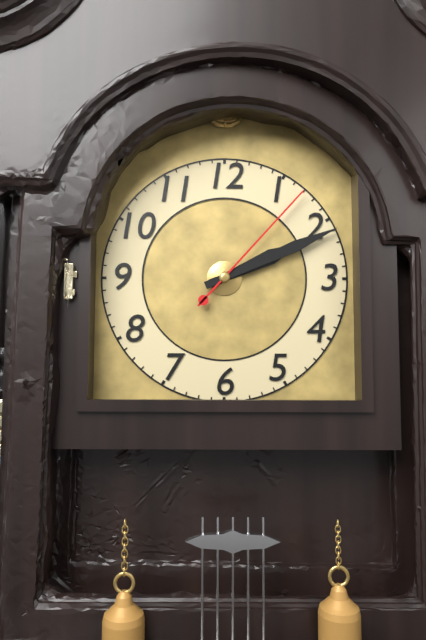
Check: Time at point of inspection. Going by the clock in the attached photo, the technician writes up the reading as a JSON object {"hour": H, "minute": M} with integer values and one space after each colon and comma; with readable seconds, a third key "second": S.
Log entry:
{"hour": 2, "minute": 11, "second": 7}
